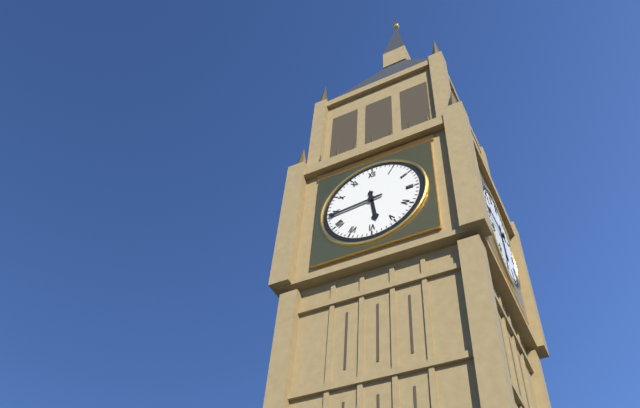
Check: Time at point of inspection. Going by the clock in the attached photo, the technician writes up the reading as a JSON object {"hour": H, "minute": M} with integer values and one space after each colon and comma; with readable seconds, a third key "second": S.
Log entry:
{"hour": 5, "minute": 44}
